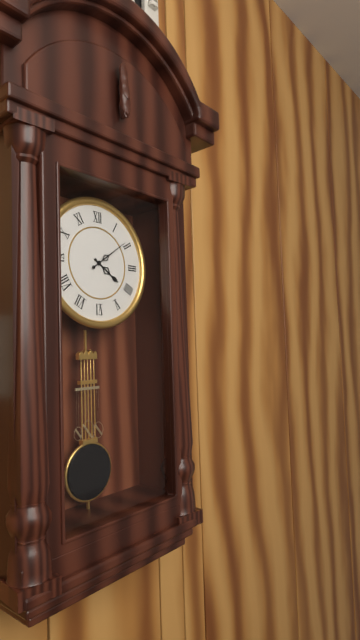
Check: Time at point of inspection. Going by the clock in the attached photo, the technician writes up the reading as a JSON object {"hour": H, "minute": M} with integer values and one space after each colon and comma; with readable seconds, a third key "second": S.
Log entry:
{"hour": 4, "minute": 9}
